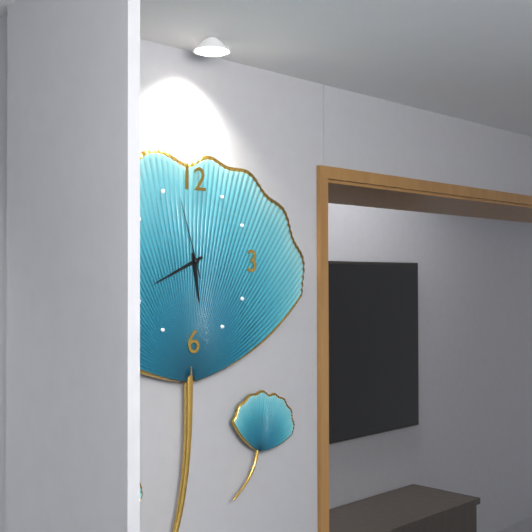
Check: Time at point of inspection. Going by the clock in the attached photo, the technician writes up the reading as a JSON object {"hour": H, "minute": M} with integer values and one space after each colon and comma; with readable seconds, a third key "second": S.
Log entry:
{"hour": 5, "minute": 41, "second": 57}
